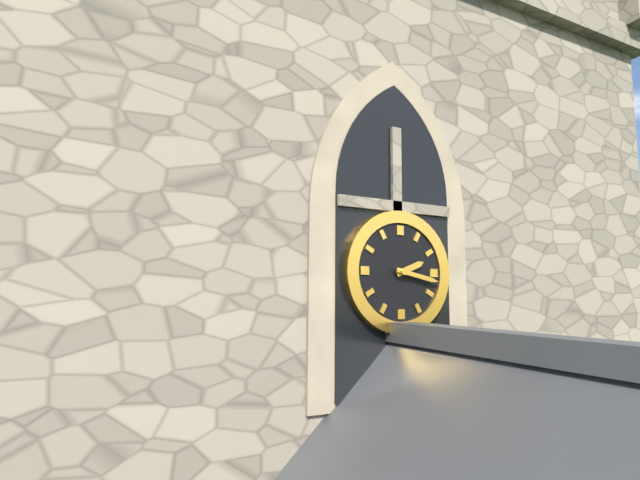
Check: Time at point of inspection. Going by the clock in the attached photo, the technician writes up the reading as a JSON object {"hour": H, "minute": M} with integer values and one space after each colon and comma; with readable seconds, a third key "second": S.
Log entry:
{"hour": 2, "minute": 17}
